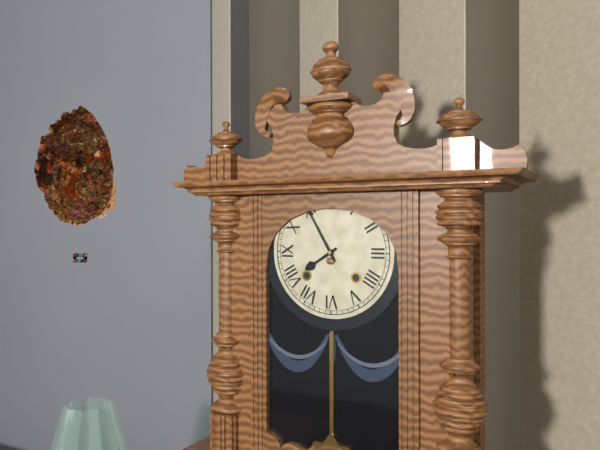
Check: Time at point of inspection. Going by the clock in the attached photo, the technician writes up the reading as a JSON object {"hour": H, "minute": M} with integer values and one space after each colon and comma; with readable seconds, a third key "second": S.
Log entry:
{"hour": 7, "minute": 55}
